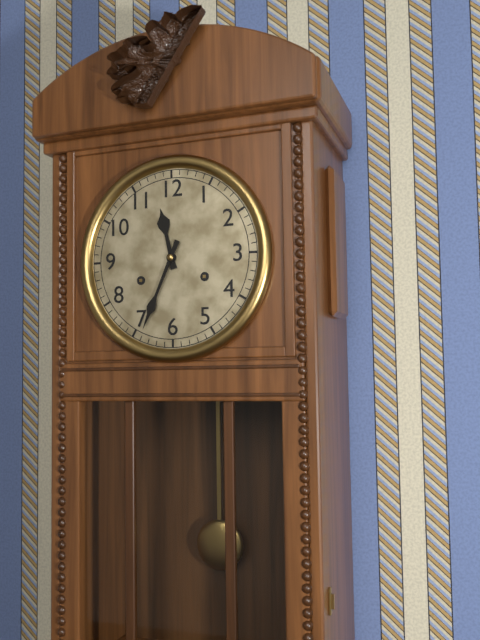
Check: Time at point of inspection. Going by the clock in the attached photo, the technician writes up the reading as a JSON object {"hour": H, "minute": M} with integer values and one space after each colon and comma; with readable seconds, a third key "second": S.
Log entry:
{"hour": 11, "minute": 34}
